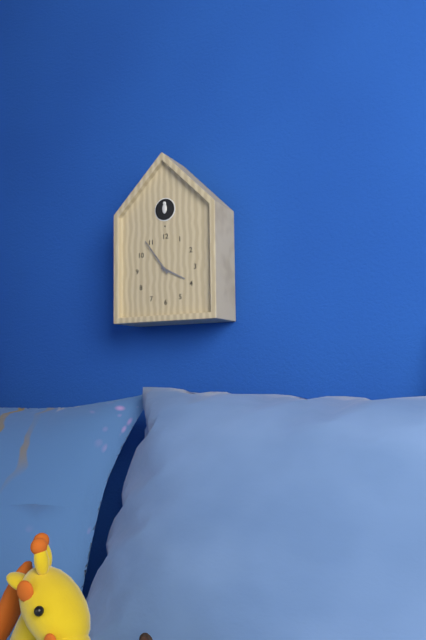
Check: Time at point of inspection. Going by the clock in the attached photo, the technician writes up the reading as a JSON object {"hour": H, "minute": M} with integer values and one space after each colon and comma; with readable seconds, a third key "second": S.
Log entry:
{"hour": 3, "minute": 54}
